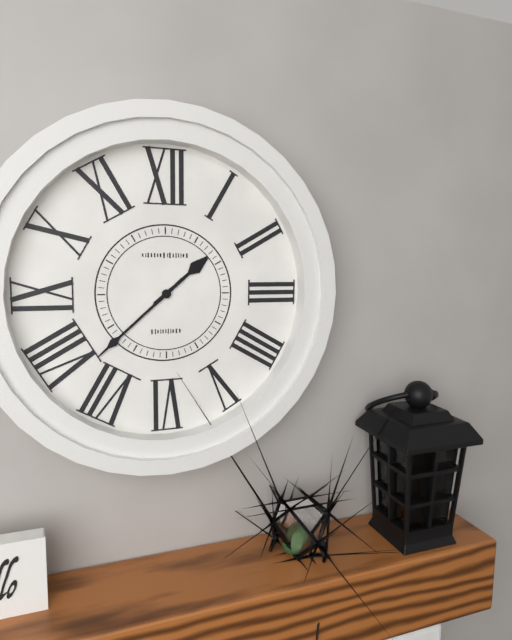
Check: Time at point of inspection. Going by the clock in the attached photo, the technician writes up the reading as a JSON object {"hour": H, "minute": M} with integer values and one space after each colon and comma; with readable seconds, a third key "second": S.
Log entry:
{"hour": 1, "minute": 38}
